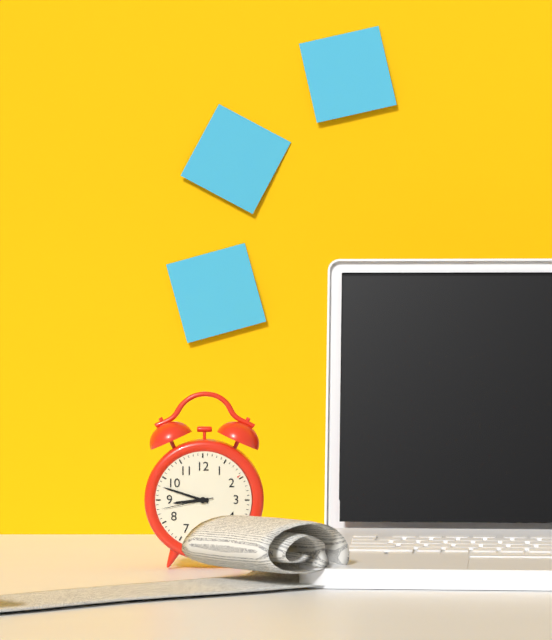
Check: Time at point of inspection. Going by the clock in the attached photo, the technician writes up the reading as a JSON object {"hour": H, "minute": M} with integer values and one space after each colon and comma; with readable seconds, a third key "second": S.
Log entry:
{"hour": 8, "minute": 48, "second": 43}
